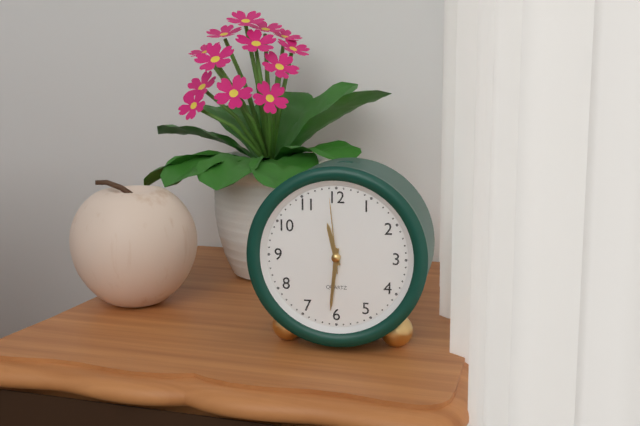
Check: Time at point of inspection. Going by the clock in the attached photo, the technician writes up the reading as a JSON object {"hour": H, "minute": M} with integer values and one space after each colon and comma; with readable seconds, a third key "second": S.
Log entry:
{"hour": 11, "minute": 31, "second": 59}
